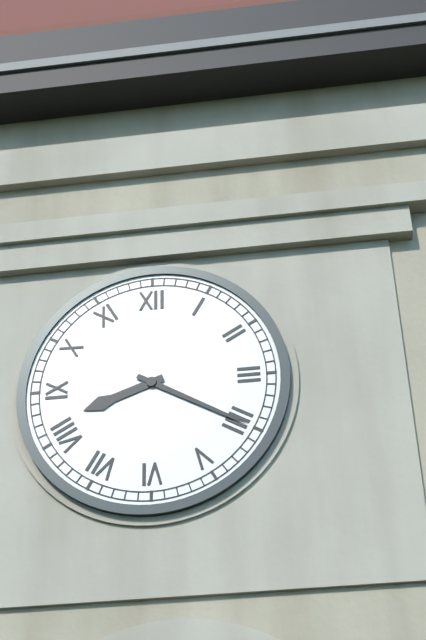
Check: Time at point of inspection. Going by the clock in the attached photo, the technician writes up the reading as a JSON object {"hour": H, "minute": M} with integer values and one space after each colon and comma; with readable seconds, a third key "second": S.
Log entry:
{"hour": 8, "minute": 20}
